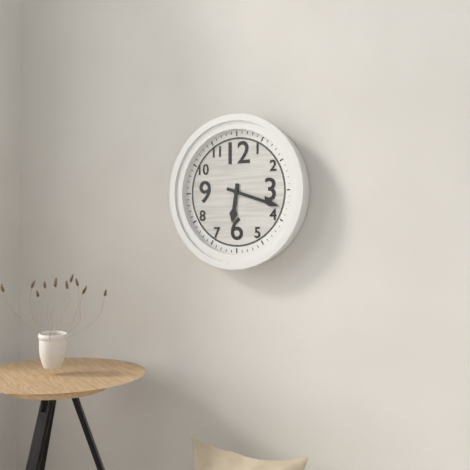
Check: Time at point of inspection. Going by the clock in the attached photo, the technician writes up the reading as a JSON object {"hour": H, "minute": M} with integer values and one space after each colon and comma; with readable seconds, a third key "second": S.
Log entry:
{"hour": 6, "minute": 18}
